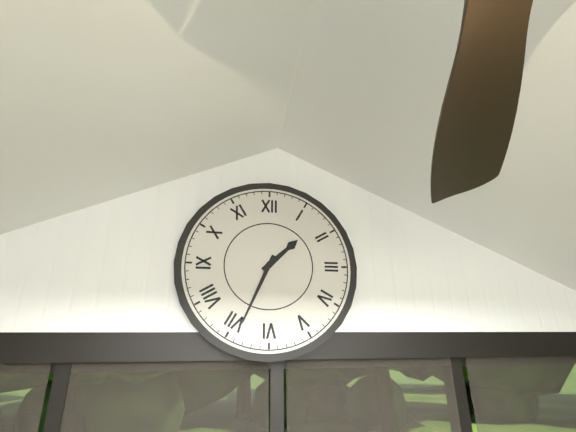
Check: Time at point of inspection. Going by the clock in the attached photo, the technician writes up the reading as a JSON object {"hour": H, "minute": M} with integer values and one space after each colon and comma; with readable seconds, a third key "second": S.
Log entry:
{"hour": 1, "minute": 34}
